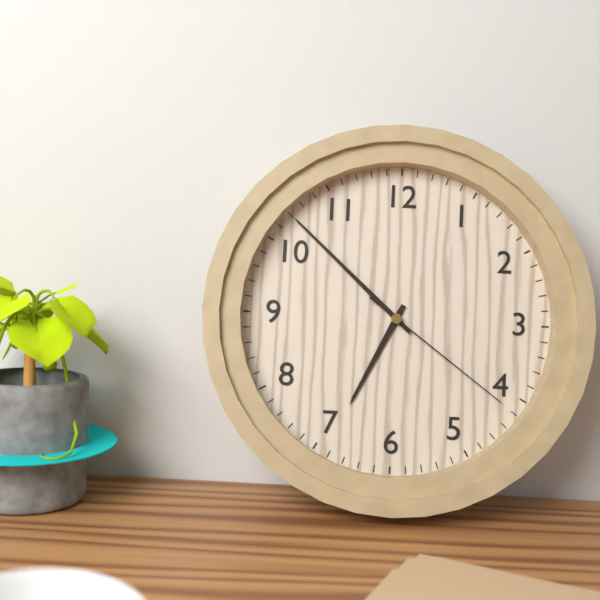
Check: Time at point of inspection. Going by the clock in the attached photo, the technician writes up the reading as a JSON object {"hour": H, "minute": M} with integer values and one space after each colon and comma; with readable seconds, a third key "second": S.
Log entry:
{"hour": 6, "minute": 52, "second": 21}
